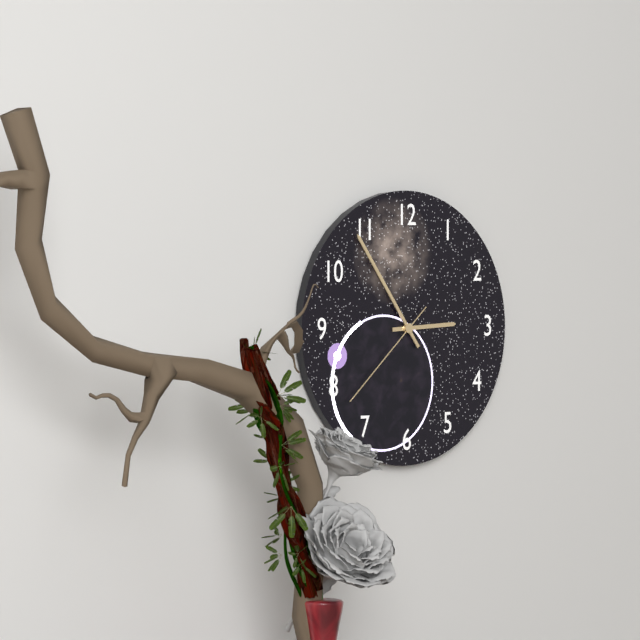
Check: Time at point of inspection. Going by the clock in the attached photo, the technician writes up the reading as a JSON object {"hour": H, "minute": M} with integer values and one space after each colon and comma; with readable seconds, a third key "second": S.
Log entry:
{"hour": 2, "minute": 54, "second": 38}
